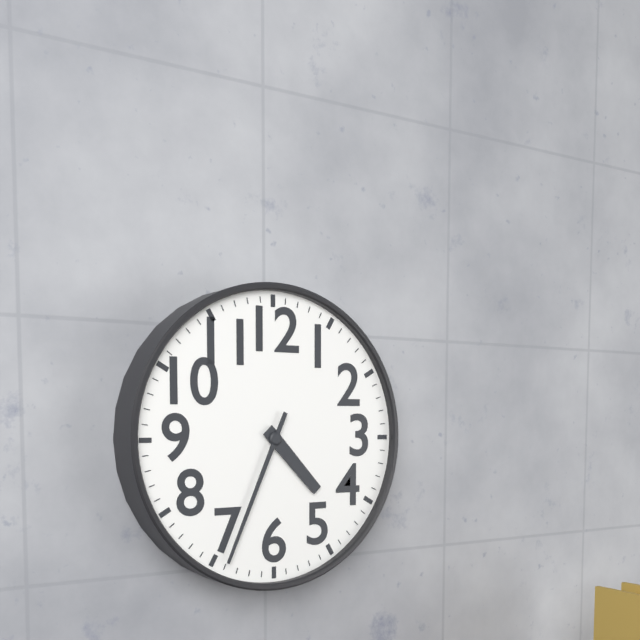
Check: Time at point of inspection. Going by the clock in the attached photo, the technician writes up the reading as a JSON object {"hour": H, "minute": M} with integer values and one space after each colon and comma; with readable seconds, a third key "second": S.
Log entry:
{"hour": 4, "minute": 34}
